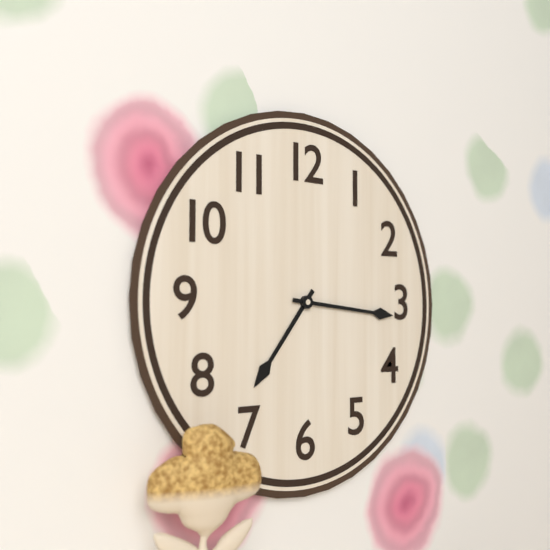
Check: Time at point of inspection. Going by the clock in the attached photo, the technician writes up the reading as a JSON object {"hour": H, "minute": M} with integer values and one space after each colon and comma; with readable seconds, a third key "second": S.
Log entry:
{"hour": 7, "minute": 16}
